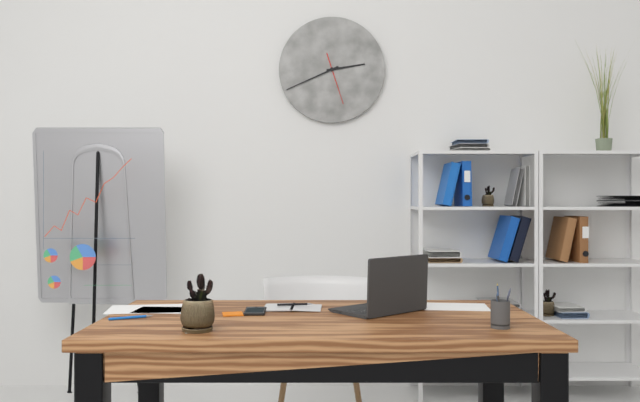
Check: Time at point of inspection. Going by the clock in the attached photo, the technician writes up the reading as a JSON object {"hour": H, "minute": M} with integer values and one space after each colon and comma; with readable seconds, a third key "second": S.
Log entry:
{"hour": 2, "minute": 41}
